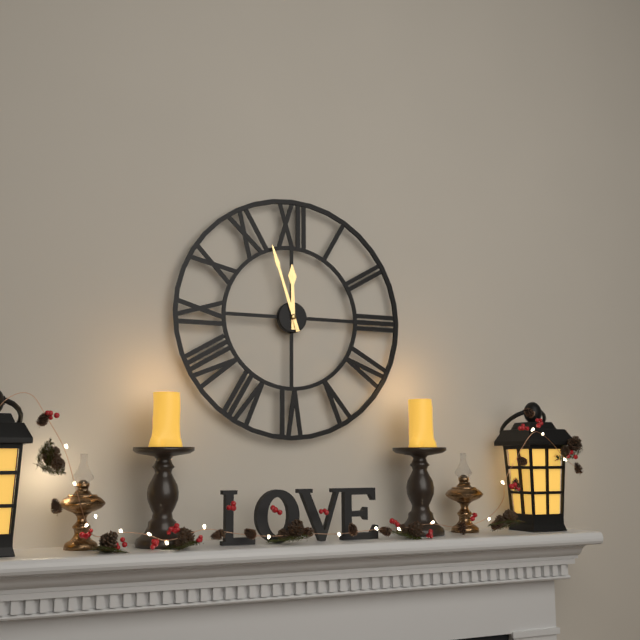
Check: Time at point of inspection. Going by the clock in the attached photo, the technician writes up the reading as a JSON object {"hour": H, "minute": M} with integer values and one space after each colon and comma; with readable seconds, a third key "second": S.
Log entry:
{"hour": 11, "minute": 57}
